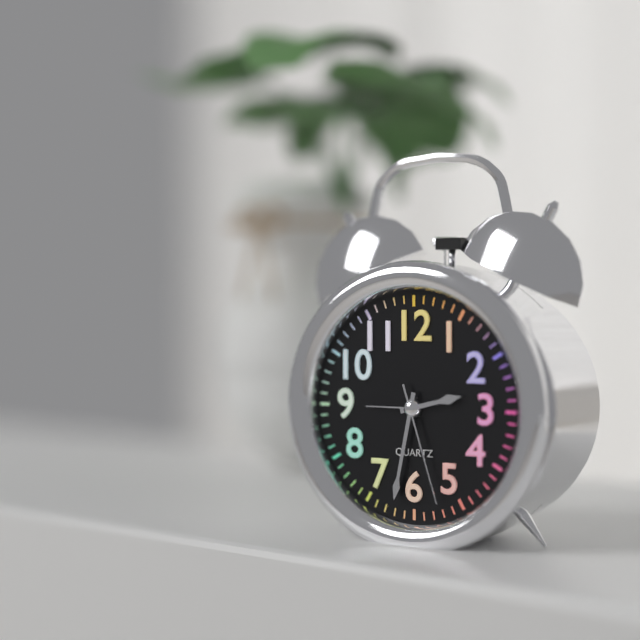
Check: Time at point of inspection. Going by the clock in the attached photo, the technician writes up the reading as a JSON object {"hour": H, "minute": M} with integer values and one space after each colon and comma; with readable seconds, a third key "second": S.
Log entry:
{"hour": 2, "minute": 32, "second": 27}
